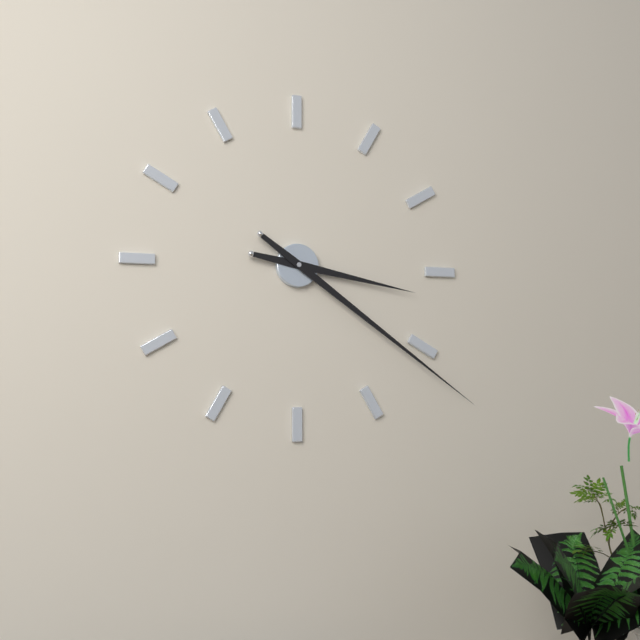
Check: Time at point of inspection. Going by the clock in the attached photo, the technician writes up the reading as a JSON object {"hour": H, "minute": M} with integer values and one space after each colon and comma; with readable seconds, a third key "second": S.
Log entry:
{"hour": 3, "minute": 21}
